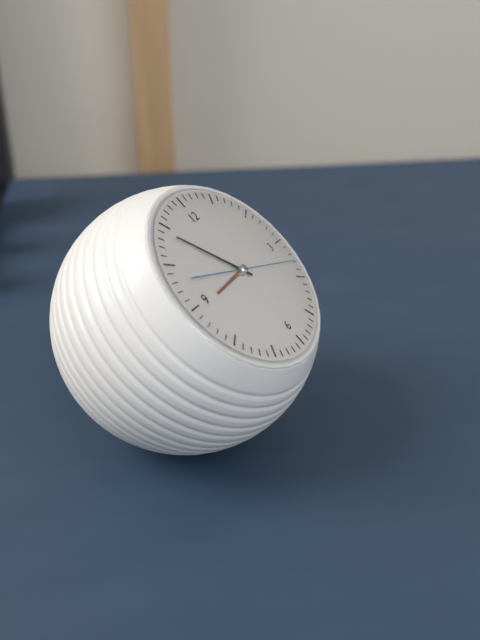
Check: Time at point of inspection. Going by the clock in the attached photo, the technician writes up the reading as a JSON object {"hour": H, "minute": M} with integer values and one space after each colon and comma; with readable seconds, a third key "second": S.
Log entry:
{"hour": 8, "minute": 54, "second": 18}
